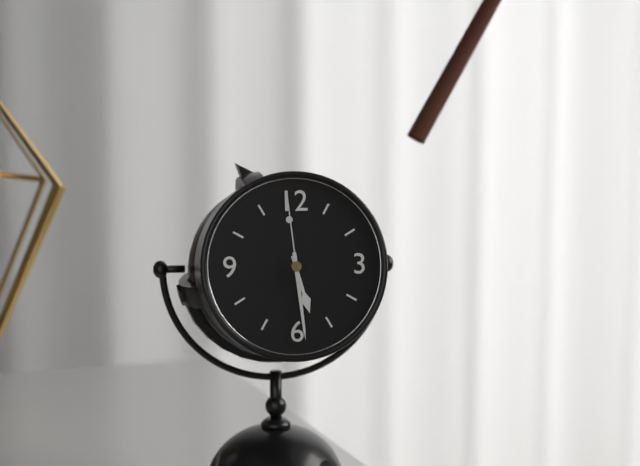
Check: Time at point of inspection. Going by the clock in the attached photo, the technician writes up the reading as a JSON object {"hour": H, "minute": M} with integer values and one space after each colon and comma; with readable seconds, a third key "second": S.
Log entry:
{"hour": 5, "minute": 29, "second": 59}
